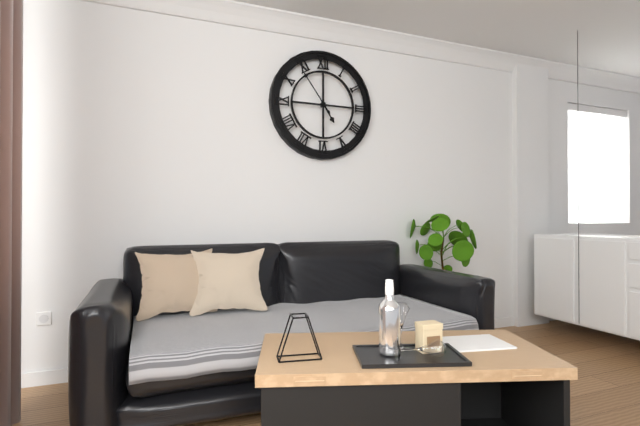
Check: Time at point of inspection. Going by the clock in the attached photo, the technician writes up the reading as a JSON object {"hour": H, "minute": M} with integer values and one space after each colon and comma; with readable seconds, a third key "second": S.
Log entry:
{"hour": 4, "minute": 54}
